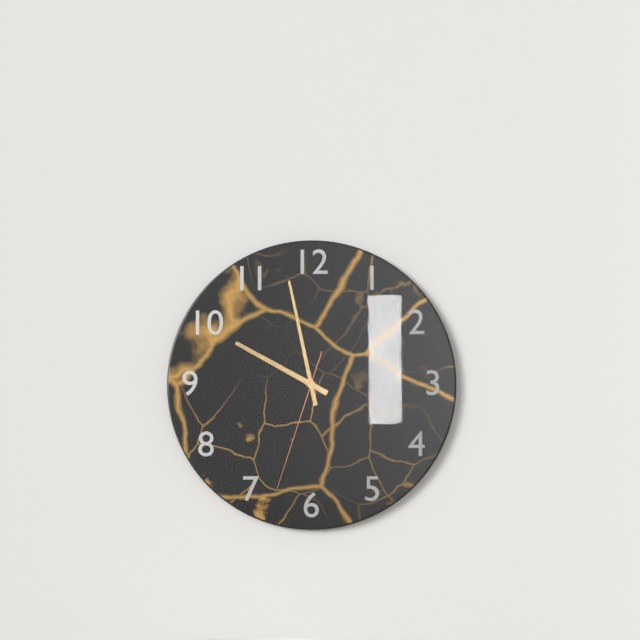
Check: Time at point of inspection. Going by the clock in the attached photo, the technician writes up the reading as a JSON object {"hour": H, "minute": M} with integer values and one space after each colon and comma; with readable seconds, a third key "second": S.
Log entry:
{"hour": 9, "minute": 58, "second": 33}
